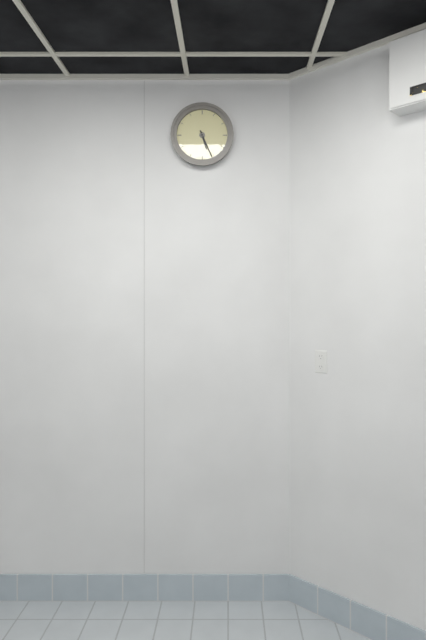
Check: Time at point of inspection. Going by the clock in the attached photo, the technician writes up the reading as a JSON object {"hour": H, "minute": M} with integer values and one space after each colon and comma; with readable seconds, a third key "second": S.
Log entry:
{"hour": 5, "minute": 26}
